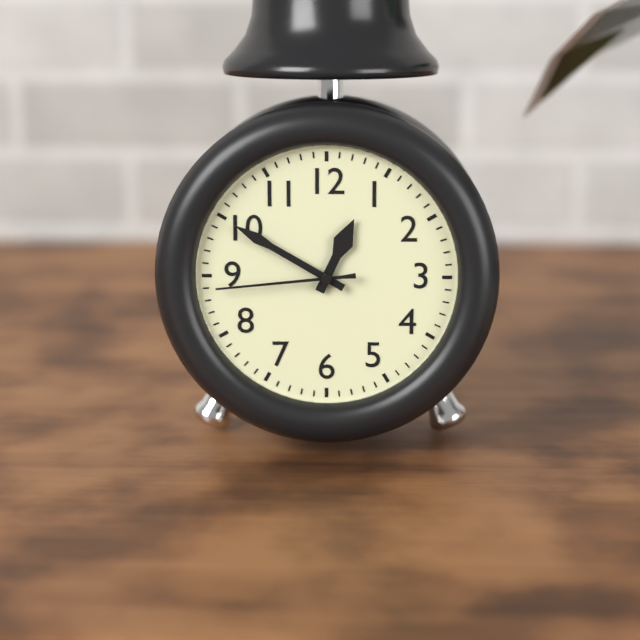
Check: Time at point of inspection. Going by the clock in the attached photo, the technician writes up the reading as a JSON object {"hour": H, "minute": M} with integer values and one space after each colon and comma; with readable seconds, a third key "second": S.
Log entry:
{"hour": 12, "minute": 50, "second": 44}
